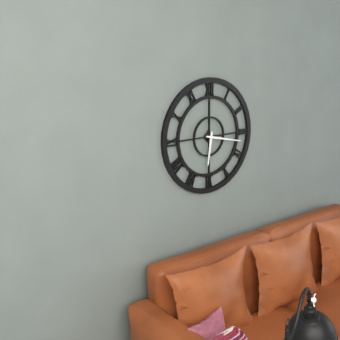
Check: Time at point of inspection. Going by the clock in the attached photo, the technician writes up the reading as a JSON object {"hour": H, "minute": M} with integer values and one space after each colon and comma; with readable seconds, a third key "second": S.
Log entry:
{"hour": 6, "minute": 17}
